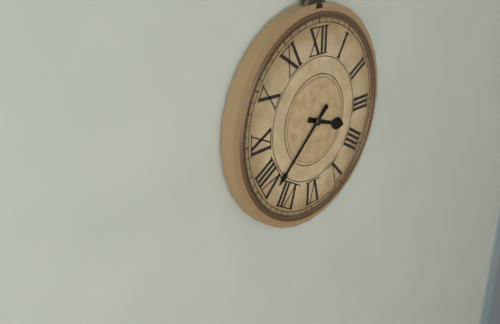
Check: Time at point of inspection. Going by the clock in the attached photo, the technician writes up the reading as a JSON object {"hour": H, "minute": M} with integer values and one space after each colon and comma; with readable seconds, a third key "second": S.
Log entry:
{"hour": 3, "minute": 38}
